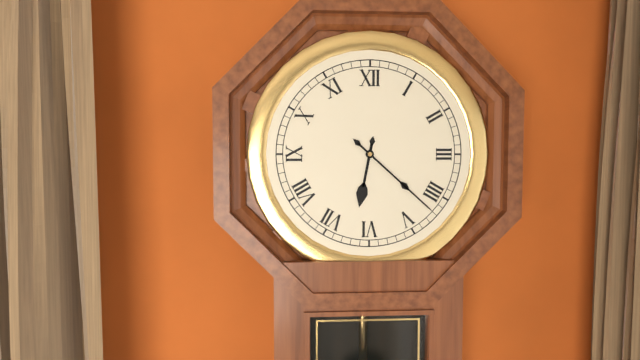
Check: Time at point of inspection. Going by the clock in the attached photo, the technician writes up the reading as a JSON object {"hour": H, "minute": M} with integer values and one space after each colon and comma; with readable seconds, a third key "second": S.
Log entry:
{"hour": 6, "minute": 22}
